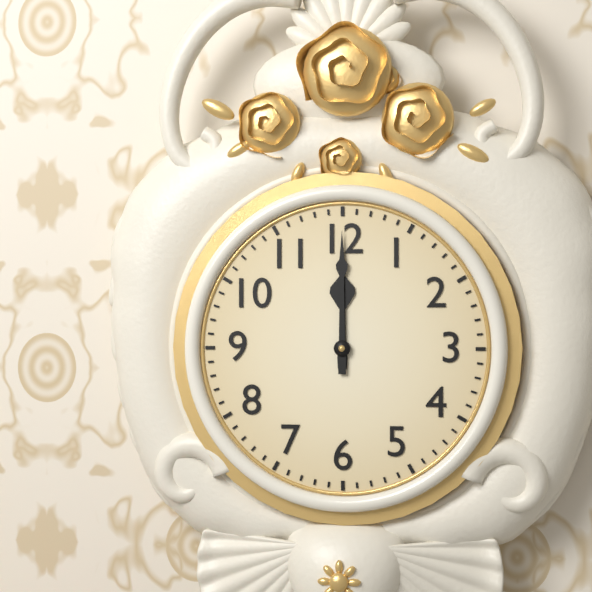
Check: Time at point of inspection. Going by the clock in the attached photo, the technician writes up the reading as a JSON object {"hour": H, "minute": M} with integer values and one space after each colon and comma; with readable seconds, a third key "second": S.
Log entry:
{"hour": 12, "minute": 0}
